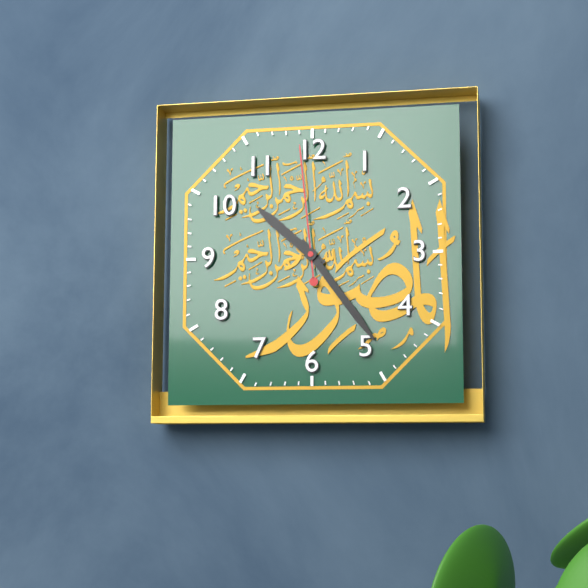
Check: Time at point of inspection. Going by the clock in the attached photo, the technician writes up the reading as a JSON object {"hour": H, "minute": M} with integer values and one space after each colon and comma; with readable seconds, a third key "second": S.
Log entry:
{"hour": 10, "minute": 24, "second": 59}
